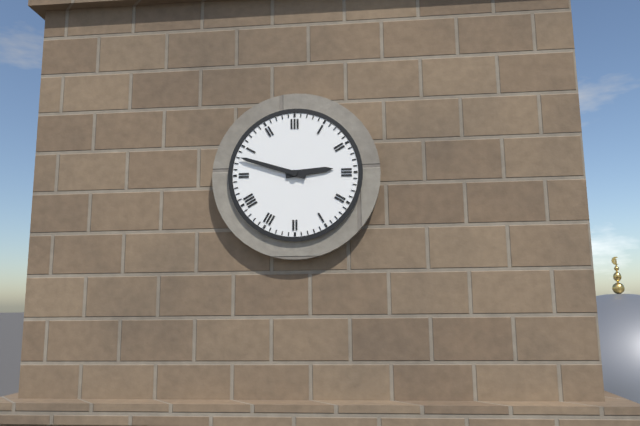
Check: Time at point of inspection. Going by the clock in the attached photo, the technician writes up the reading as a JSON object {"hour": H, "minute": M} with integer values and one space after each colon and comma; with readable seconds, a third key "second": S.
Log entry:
{"hour": 2, "minute": 48}
